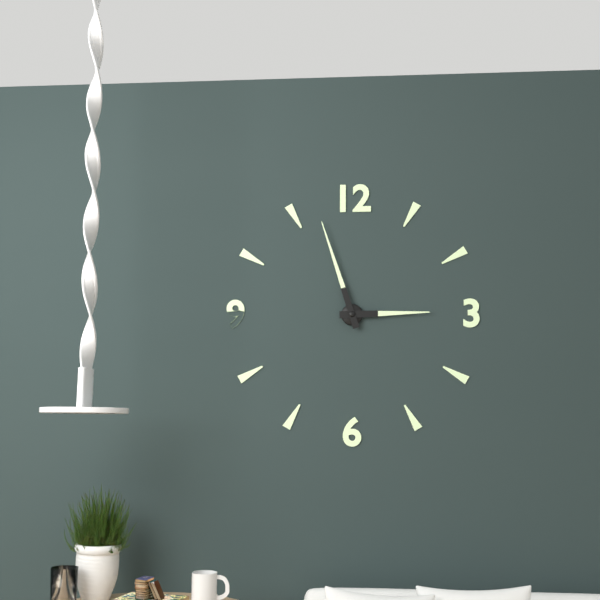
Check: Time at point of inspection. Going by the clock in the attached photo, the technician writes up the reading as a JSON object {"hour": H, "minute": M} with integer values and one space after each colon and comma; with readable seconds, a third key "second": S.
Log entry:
{"hour": 2, "minute": 57}
